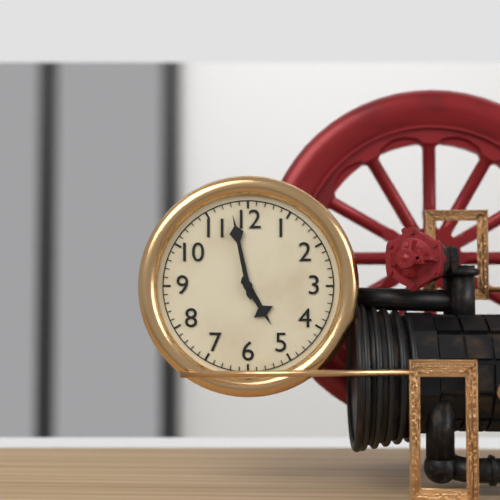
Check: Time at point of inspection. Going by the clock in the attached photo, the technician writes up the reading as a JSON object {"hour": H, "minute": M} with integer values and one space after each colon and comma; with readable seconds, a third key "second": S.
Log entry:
{"hour": 4, "minute": 58}
